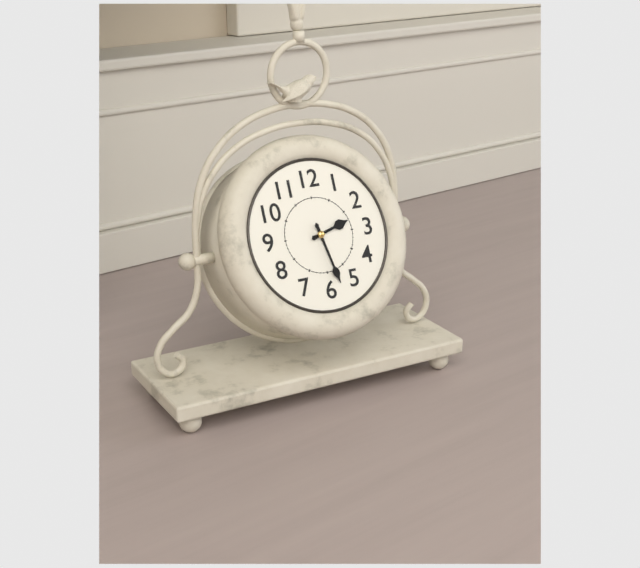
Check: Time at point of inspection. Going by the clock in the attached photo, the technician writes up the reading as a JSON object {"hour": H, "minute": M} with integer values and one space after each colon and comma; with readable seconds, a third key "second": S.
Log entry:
{"hour": 2, "minute": 28}
